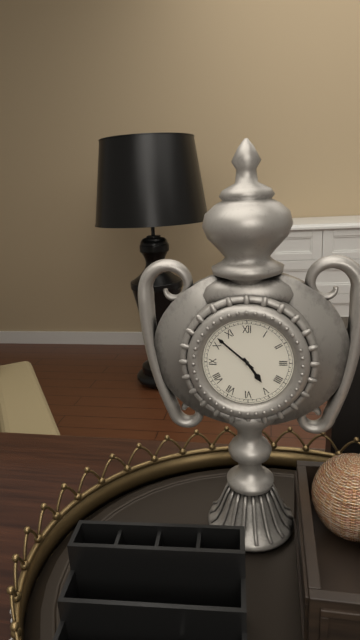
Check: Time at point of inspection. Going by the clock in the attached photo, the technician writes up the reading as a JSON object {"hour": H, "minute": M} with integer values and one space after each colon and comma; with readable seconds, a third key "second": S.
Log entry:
{"hour": 4, "minute": 52}
